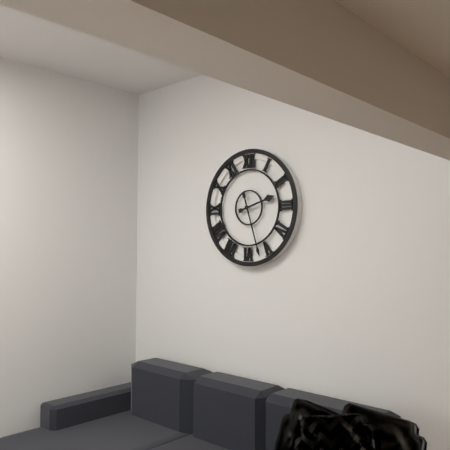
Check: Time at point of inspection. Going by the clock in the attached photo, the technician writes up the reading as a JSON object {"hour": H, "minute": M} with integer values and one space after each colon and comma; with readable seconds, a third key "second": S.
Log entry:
{"hour": 2, "minute": 27}
